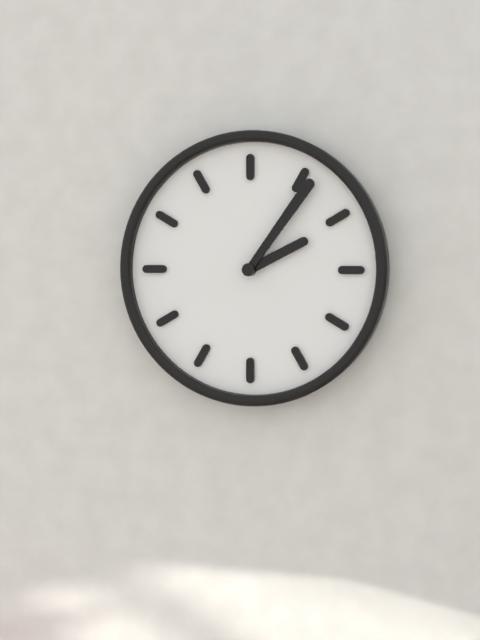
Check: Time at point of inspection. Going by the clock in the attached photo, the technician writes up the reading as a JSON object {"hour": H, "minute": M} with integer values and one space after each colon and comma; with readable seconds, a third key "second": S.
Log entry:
{"hour": 2, "minute": 6}
